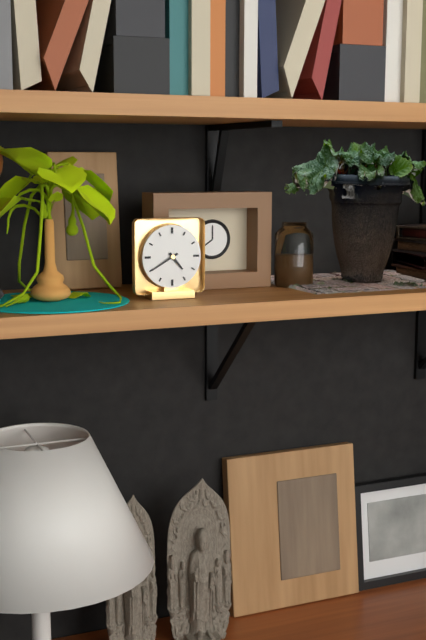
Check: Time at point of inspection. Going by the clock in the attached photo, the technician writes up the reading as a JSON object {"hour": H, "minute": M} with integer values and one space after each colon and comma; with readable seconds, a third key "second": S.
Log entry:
{"hour": 4, "minute": 40}
